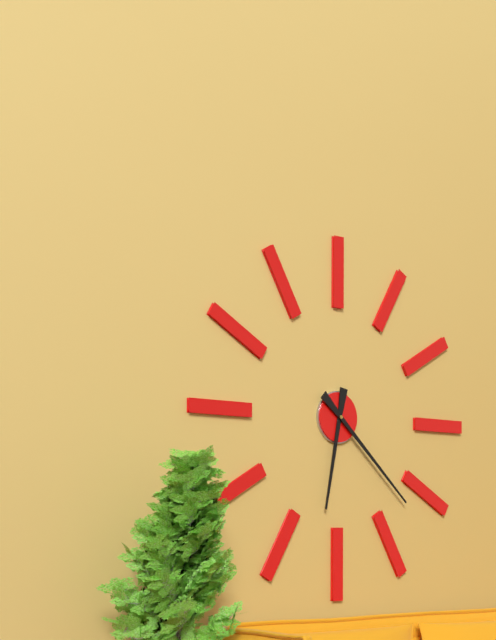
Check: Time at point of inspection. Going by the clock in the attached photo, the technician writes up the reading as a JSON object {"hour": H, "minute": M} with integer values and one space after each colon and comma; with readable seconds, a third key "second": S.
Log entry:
{"hour": 6, "minute": 22}
